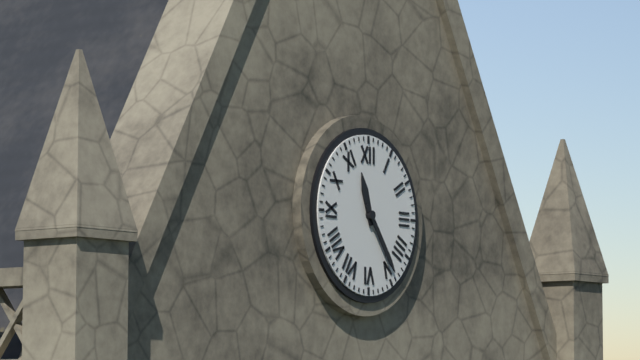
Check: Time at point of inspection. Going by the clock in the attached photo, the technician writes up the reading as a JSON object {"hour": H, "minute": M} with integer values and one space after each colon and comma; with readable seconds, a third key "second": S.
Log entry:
{"hour": 11, "minute": 24}
